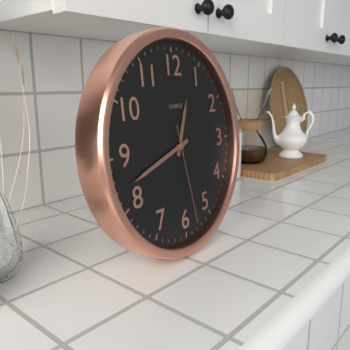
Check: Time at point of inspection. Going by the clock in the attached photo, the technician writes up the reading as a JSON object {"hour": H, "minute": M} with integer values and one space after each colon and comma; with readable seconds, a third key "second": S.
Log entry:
{"hour": 12, "minute": 42, "second": 28}
